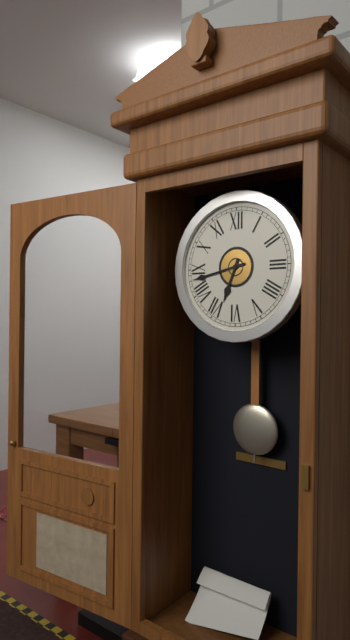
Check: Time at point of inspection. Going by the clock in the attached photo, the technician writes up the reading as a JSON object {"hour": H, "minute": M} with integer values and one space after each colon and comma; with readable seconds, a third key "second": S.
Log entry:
{"hour": 6, "minute": 43}
